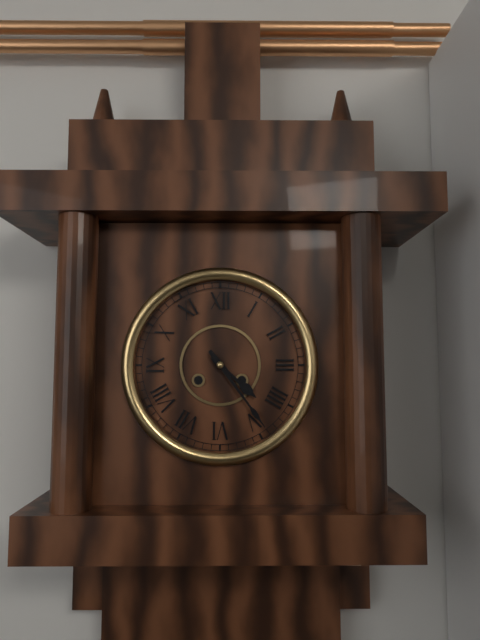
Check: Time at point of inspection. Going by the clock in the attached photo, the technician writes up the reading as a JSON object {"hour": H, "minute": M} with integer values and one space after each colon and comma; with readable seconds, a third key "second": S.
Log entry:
{"hour": 4, "minute": 24}
